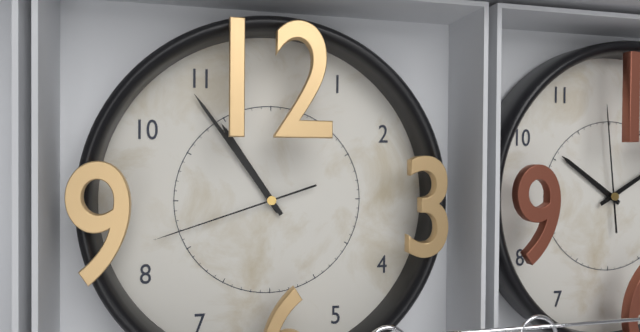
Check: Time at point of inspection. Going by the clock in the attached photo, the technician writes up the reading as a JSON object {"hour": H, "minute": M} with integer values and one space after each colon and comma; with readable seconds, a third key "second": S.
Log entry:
{"hour": 10, "minute": 54, "second": 42}
